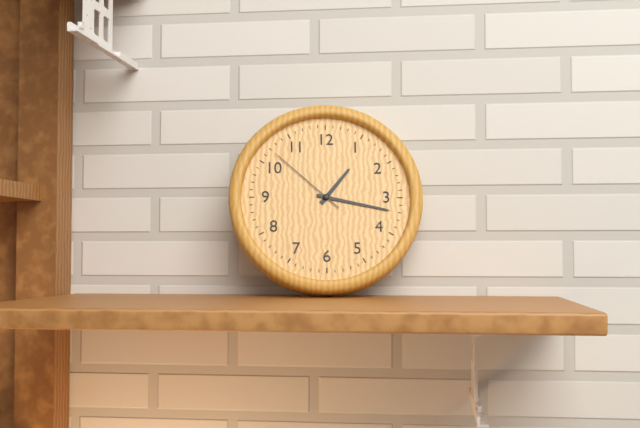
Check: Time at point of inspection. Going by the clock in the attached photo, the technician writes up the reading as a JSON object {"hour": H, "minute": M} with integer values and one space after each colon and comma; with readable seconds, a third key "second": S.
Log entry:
{"hour": 1, "minute": 17, "second": 52}
